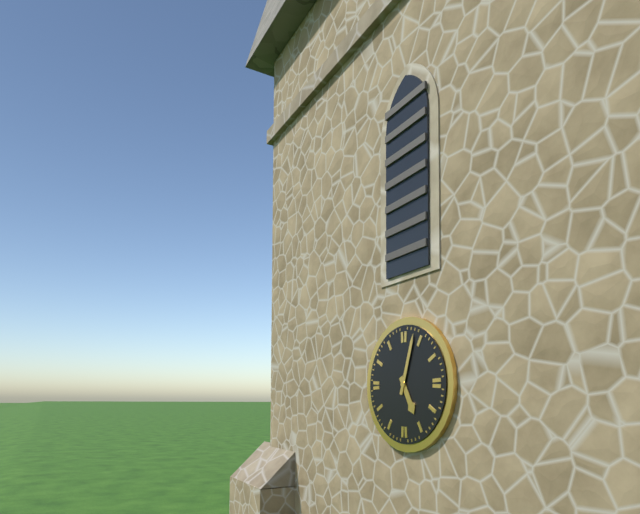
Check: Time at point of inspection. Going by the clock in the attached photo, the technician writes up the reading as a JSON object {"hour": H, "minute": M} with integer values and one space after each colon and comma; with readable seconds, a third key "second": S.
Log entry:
{"hour": 5, "minute": 3}
